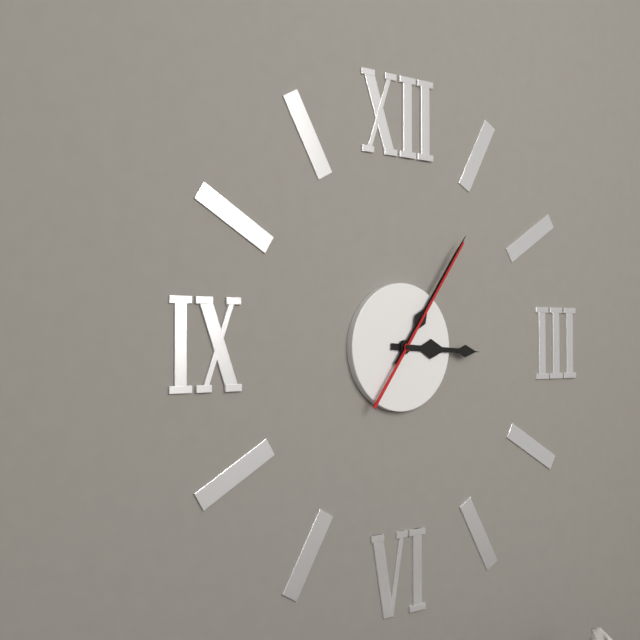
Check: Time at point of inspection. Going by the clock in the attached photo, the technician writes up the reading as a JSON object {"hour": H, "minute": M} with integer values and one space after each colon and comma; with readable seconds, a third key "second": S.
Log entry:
{"hour": 3, "minute": 6, "second": 6}
